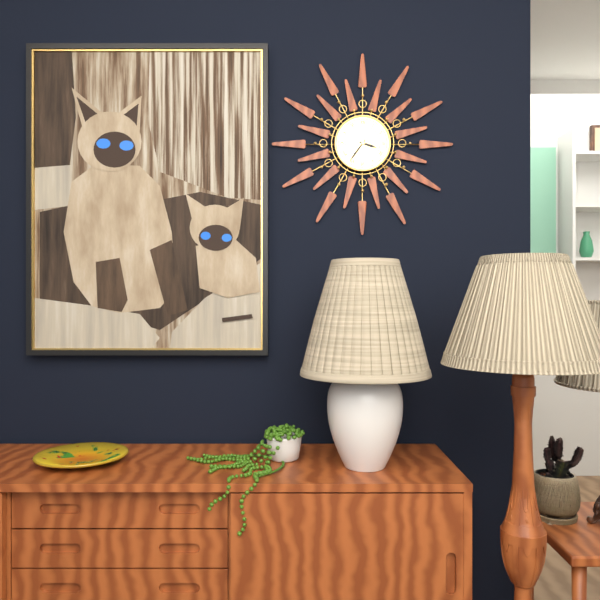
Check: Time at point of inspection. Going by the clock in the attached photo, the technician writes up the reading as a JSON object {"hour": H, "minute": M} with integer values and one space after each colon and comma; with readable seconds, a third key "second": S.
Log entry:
{"hour": 3, "minute": 36}
